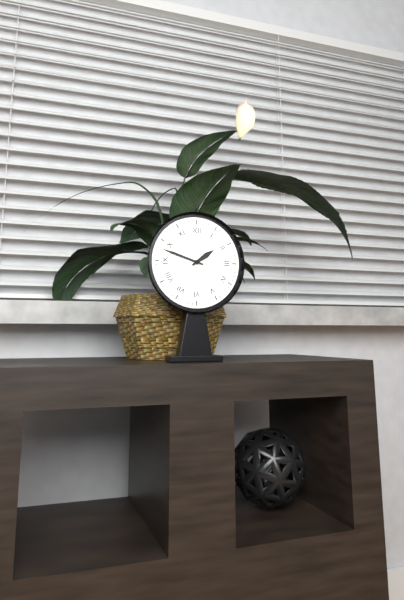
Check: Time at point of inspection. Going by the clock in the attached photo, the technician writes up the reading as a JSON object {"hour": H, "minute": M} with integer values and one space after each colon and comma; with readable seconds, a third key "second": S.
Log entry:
{"hour": 1, "minute": 48}
